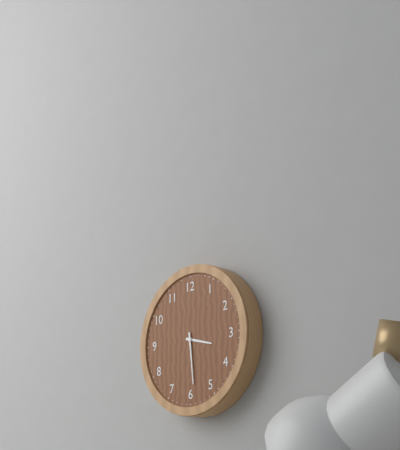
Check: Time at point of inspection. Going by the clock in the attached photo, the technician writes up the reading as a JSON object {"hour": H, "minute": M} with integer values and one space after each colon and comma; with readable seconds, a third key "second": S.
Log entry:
{"hour": 3, "minute": 29}
